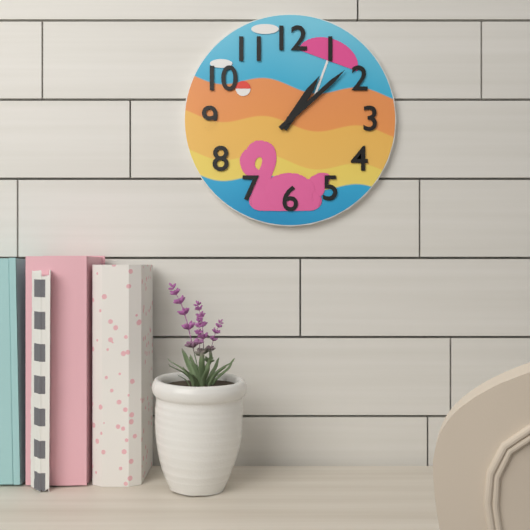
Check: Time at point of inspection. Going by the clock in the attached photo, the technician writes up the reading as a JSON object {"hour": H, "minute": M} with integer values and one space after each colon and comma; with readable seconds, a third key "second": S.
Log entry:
{"hour": 1, "minute": 8}
